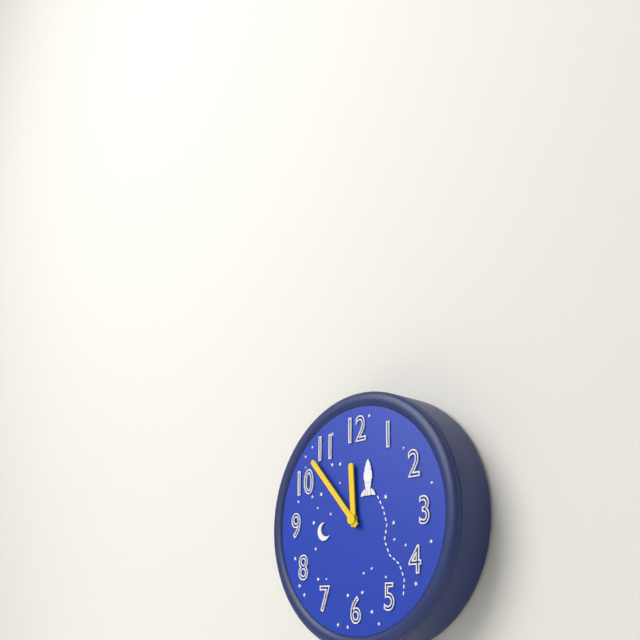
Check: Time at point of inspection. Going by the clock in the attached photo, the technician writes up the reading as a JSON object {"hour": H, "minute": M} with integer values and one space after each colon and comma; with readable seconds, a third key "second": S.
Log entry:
{"hour": 11, "minute": 53}
